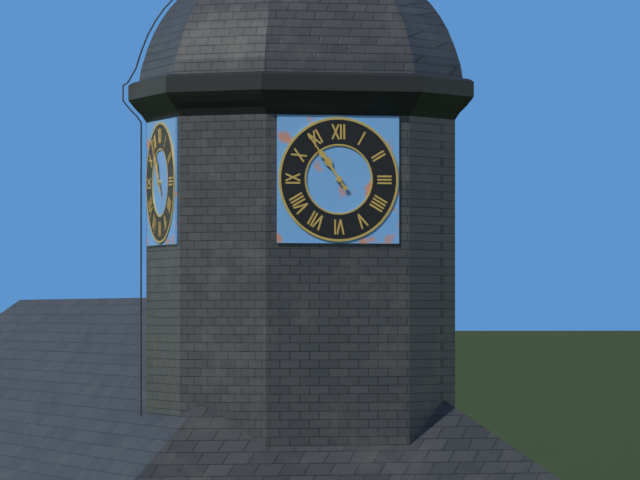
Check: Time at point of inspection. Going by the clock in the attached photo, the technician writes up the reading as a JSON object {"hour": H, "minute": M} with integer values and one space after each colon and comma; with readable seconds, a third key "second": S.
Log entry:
{"hour": 10, "minute": 54}
